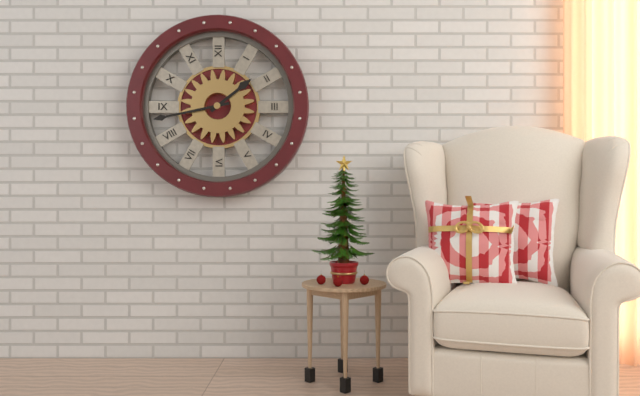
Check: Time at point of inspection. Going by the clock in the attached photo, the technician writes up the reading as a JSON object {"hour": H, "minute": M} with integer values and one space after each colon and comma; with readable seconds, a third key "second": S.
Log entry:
{"hour": 1, "minute": 43}
